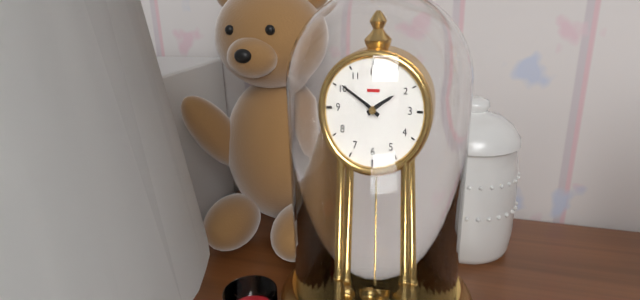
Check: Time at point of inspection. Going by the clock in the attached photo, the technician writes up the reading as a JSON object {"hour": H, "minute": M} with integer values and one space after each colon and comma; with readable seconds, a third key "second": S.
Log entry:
{"hour": 1, "minute": 51}
